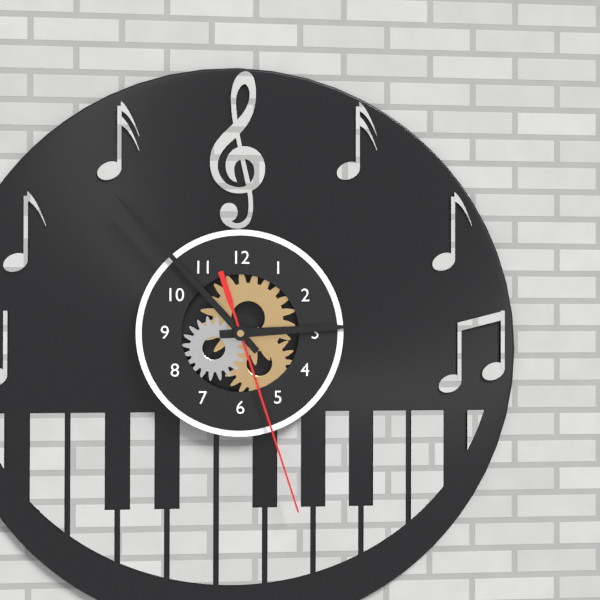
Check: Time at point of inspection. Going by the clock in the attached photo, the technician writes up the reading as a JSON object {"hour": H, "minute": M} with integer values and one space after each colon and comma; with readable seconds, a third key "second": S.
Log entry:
{"hour": 2, "minute": 53, "second": 27}
